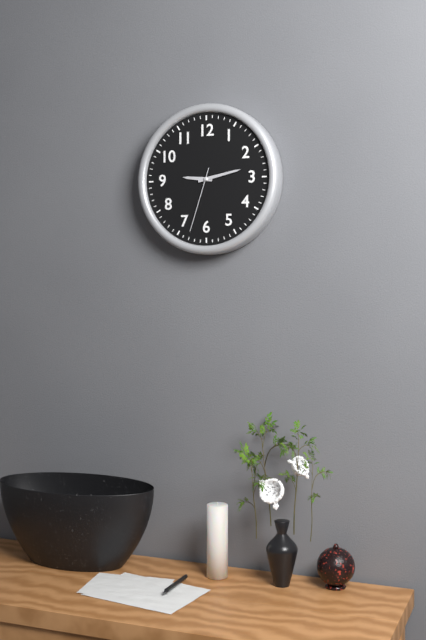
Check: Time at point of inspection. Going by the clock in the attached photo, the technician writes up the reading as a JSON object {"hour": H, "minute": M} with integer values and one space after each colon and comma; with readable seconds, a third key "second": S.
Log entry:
{"hour": 9, "minute": 13, "second": 33}
